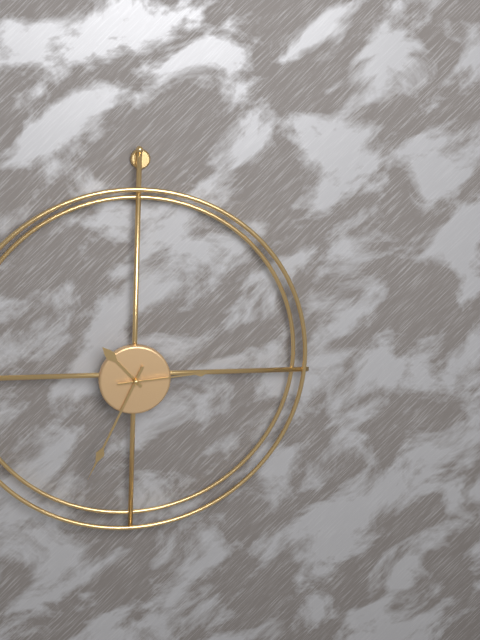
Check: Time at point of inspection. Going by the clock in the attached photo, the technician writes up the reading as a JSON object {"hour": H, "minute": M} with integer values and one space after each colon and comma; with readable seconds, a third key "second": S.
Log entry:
{"hour": 10, "minute": 34, "second": 14}
